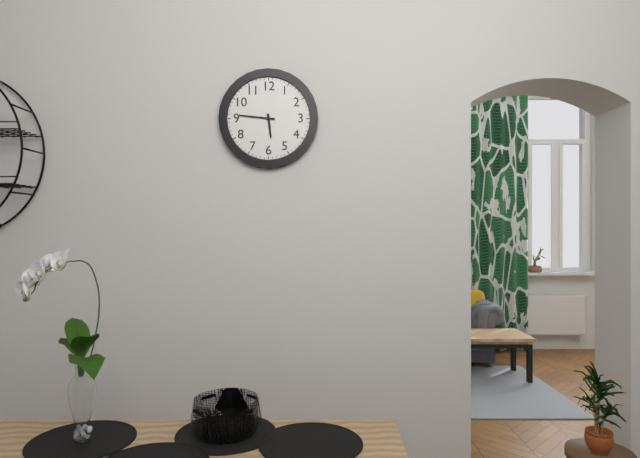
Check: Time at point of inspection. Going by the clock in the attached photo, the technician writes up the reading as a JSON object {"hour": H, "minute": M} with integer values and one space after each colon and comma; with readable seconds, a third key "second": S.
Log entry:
{"hour": 5, "minute": 46}
